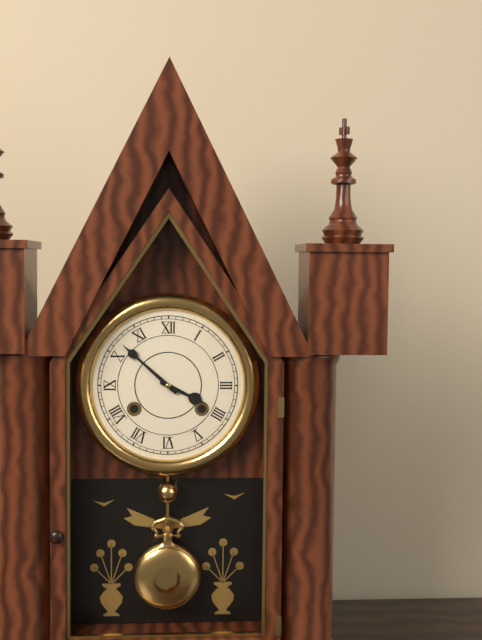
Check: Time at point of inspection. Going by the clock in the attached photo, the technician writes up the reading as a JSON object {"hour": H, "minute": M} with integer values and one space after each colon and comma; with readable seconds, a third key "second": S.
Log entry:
{"hour": 3, "minute": 52}
